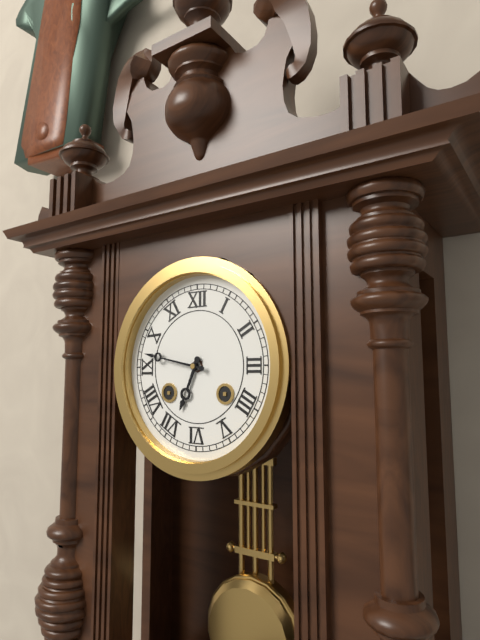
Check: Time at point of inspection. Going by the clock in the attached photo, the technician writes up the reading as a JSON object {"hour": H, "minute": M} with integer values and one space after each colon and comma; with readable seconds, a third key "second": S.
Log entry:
{"hour": 6, "minute": 47}
